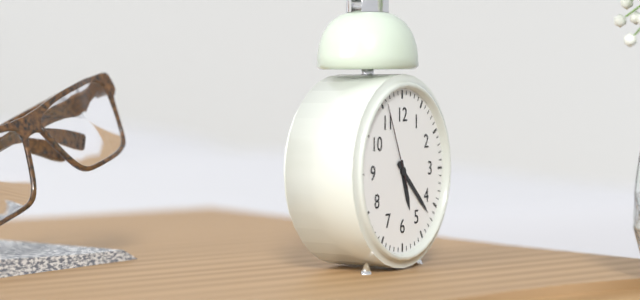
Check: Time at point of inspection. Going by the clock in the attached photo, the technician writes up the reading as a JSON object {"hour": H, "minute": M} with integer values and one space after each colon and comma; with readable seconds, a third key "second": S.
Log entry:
{"hour": 5, "minute": 22, "second": 56}
